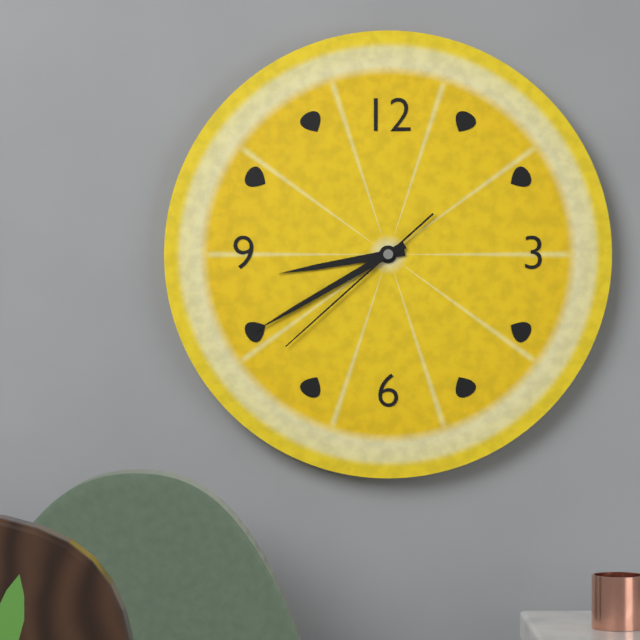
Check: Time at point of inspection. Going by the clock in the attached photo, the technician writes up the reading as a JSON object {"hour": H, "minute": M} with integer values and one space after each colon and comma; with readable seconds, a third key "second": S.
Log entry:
{"hour": 8, "minute": 40, "second": 38}
